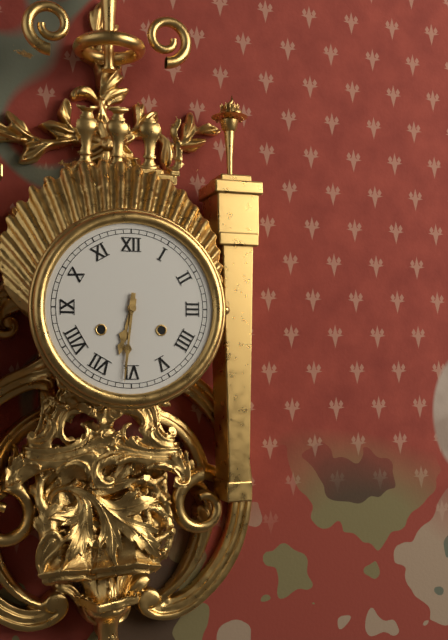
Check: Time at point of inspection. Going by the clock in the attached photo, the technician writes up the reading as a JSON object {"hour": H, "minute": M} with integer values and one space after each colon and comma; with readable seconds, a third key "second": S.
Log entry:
{"hour": 6, "minute": 31}
